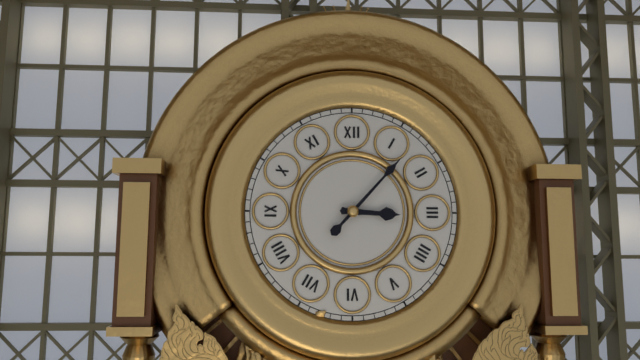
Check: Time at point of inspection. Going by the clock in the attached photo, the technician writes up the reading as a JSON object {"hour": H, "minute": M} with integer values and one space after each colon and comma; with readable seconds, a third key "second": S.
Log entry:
{"hour": 3, "minute": 7}
